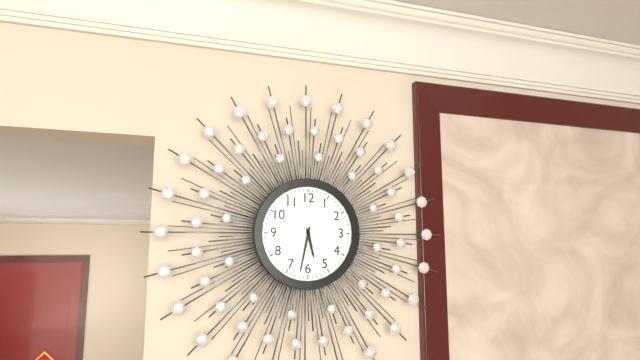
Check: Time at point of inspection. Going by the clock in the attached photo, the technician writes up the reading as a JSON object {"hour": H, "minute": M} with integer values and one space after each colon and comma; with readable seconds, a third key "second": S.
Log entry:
{"hour": 5, "minute": 32}
